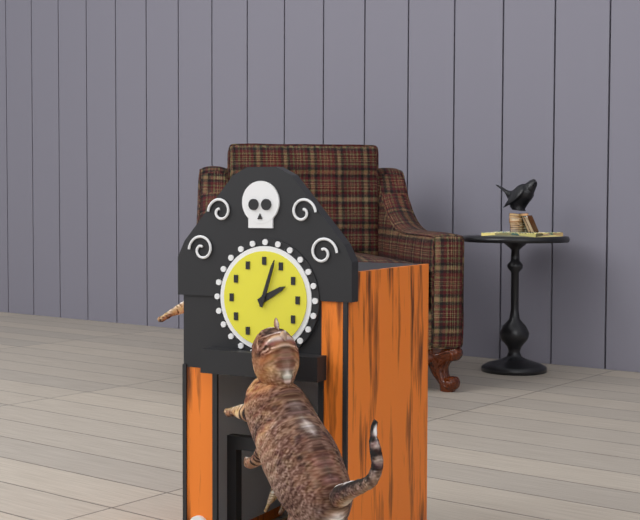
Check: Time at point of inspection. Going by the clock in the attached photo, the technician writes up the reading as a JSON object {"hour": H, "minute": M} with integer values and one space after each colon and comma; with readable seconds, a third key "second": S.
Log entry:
{"hour": 2, "minute": 3}
